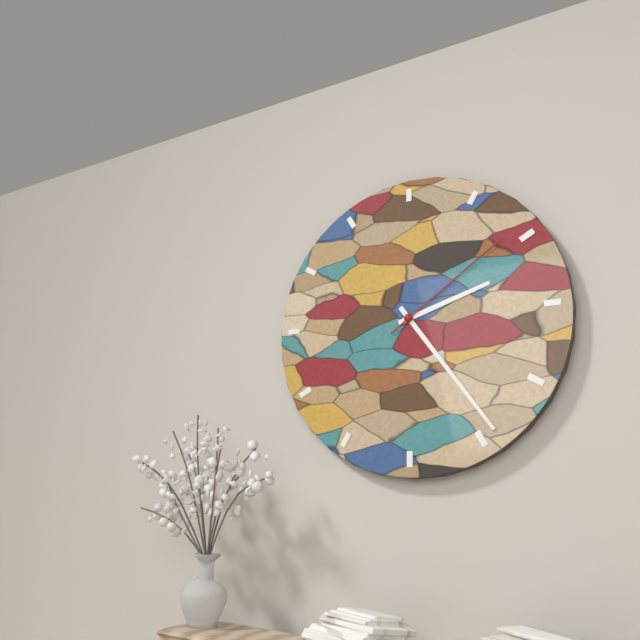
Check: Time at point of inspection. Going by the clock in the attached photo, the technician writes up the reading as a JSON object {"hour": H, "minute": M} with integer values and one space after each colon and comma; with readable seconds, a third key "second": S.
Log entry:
{"hour": 2, "minute": 24, "second": 9}
